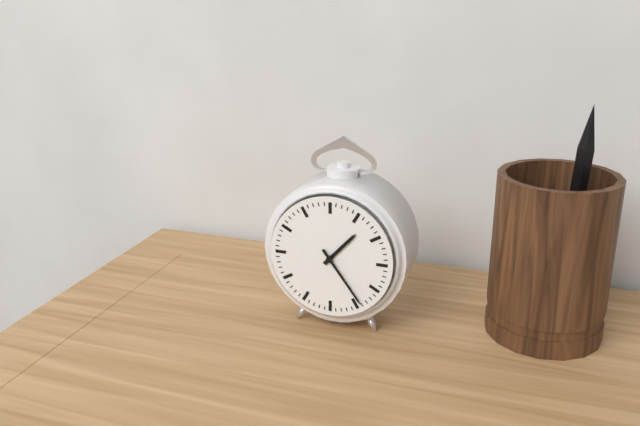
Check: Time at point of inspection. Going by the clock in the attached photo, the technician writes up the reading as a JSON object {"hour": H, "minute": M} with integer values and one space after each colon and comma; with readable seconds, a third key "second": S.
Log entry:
{"hour": 1, "minute": 24}
